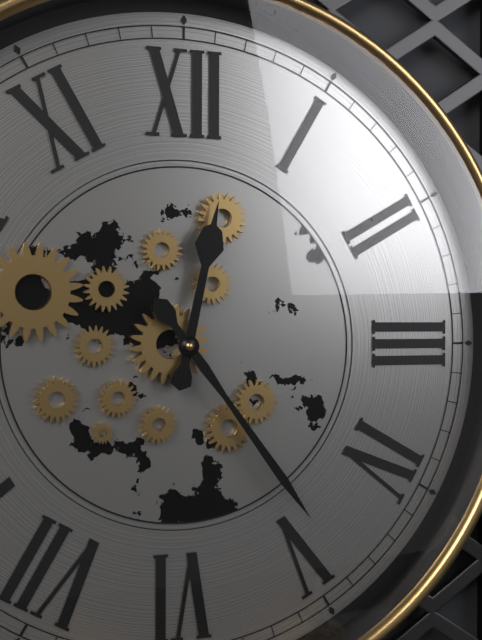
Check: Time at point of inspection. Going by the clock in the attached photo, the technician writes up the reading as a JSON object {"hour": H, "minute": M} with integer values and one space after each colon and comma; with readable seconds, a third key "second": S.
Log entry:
{"hour": 12, "minute": 24}
